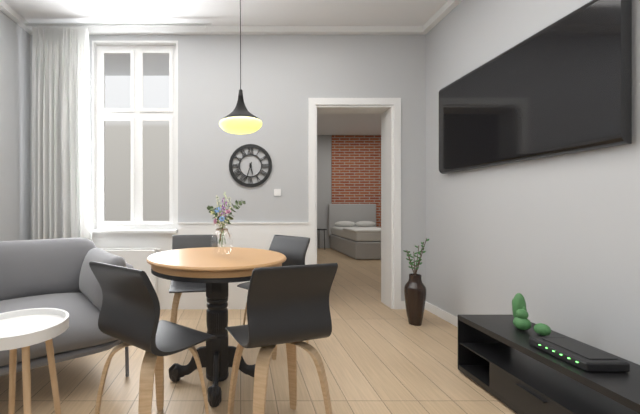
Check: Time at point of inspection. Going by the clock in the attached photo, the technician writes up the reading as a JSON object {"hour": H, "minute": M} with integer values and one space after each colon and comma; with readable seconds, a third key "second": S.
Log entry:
{"hour": 5, "minute": 33}
